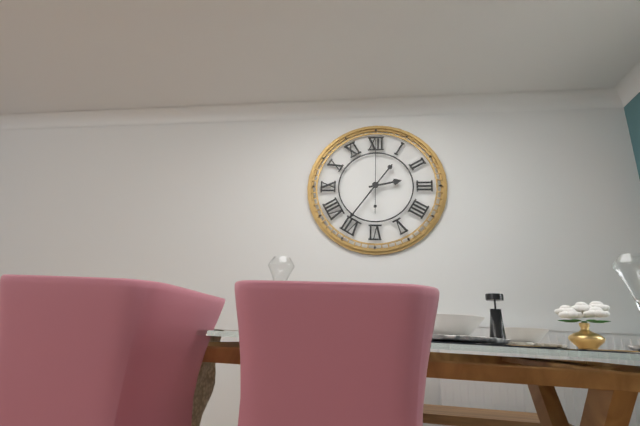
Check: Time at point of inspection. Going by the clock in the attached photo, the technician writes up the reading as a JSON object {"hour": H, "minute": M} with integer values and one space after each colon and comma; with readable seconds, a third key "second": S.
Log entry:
{"hour": 2, "minute": 36, "second": 0}
